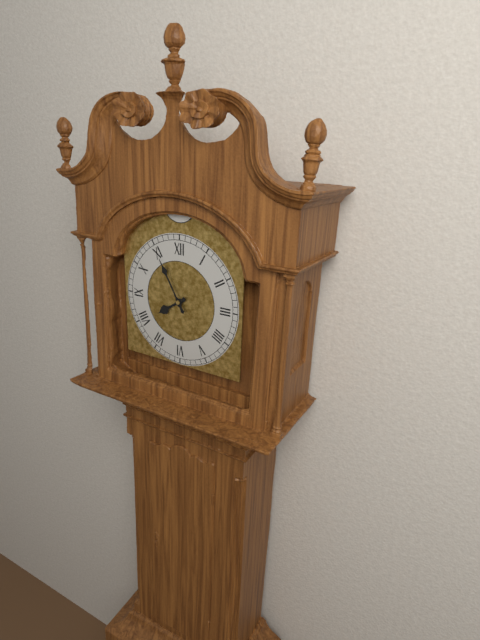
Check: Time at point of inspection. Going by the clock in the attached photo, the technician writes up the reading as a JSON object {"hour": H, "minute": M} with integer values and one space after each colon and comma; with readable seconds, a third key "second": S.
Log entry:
{"hour": 7, "minute": 55}
